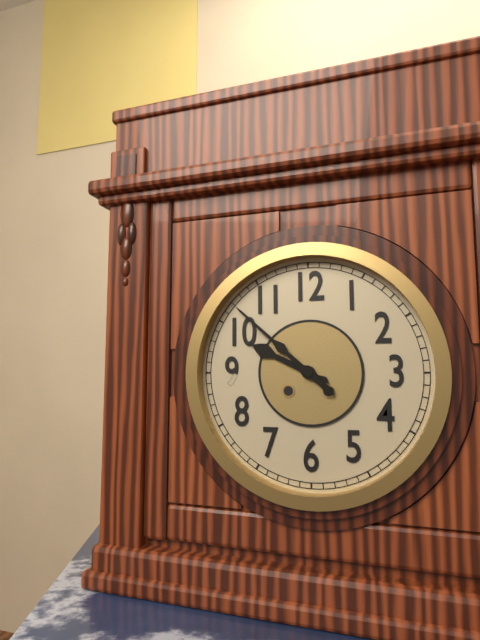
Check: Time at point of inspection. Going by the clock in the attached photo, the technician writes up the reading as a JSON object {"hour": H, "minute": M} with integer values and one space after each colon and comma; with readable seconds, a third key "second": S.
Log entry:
{"hour": 9, "minute": 52}
